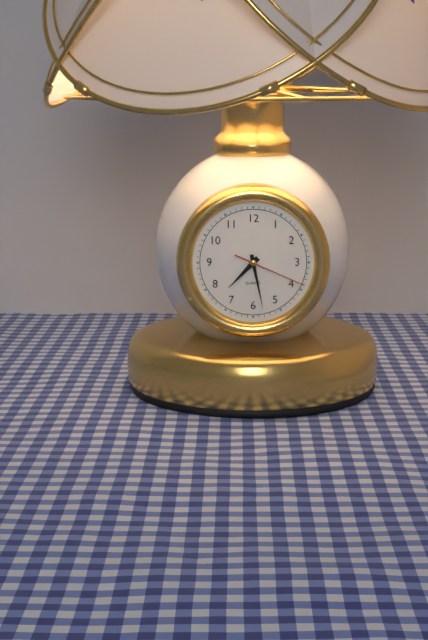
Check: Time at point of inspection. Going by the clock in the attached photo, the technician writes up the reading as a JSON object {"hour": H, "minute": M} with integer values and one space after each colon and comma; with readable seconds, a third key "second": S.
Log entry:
{"hour": 7, "minute": 28, "second": 19}
